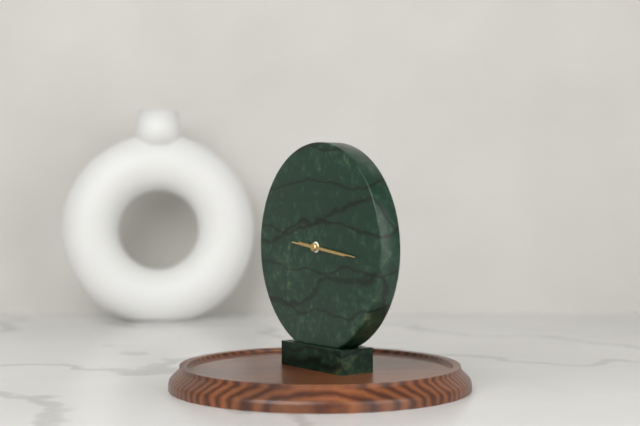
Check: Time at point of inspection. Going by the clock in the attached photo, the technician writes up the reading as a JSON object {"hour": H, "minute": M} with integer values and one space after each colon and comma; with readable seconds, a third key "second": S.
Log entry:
{"hour": 3, "minute": 16}
